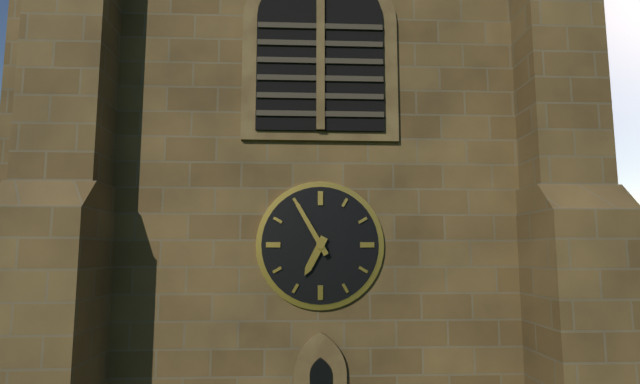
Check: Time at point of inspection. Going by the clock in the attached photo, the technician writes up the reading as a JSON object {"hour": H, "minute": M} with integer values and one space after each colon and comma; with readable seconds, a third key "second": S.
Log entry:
{"hour": 6, "minute": 55}
